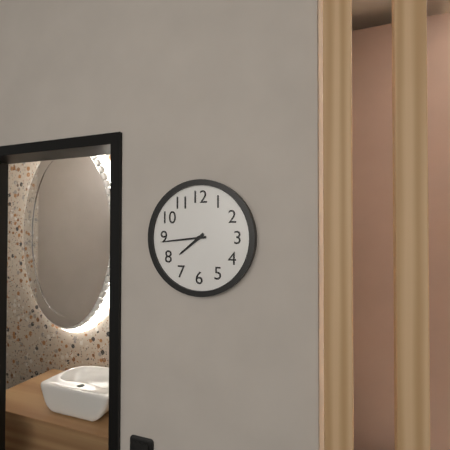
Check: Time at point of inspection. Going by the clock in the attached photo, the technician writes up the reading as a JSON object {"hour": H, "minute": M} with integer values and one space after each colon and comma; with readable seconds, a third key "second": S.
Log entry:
{"hour": 7, "minute": 44}
